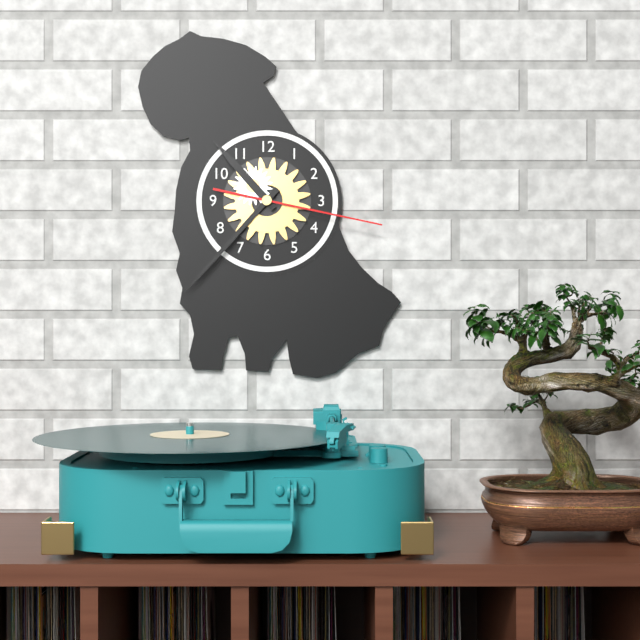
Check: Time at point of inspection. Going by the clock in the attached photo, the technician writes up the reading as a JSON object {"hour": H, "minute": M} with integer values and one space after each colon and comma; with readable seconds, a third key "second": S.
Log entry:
{"hour": 10, "minute": 37, "second": 17}
